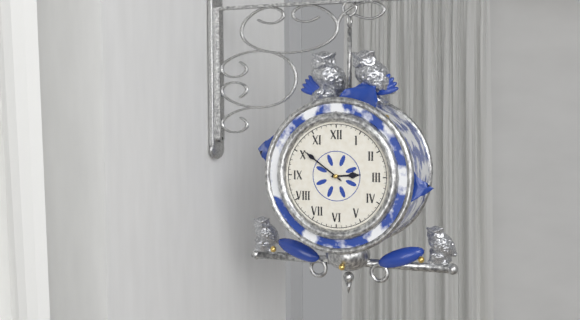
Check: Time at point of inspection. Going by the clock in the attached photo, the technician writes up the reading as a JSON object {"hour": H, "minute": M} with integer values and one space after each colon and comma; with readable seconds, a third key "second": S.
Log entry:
{"hour": 2, "minute": 51}
